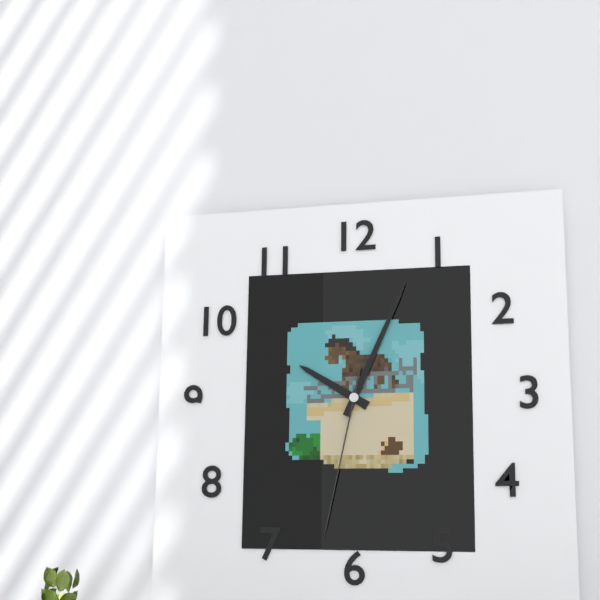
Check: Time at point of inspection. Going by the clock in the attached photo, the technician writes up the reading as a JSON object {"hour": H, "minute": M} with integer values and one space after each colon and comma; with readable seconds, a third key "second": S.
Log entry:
{"hour": 10, "minute": 4, "second": 32}
